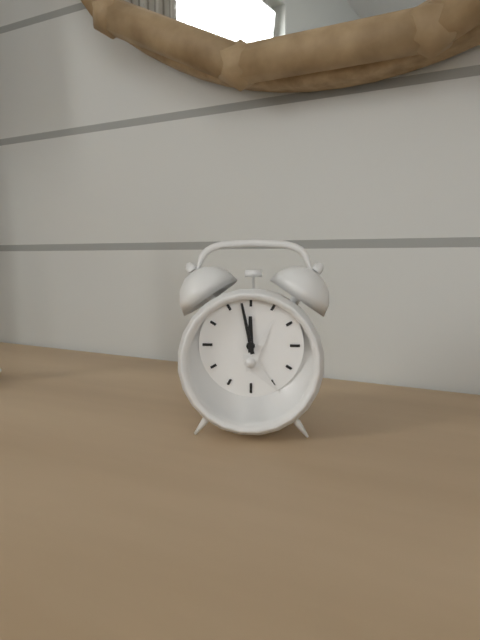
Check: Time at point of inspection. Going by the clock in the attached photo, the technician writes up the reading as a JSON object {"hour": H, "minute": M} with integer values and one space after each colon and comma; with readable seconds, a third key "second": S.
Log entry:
{"hour": 11, "minute": 58}
